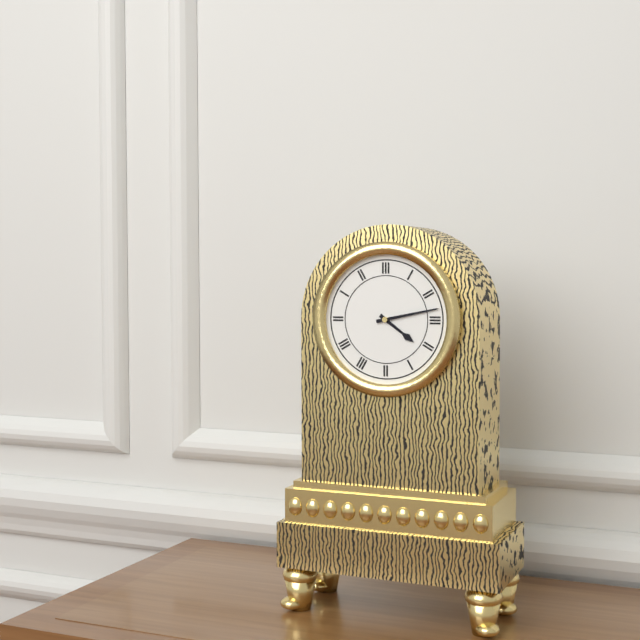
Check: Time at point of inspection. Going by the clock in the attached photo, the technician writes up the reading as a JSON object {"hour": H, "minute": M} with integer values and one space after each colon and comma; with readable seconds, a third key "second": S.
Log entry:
{"hour": 4, "minute": 13}
